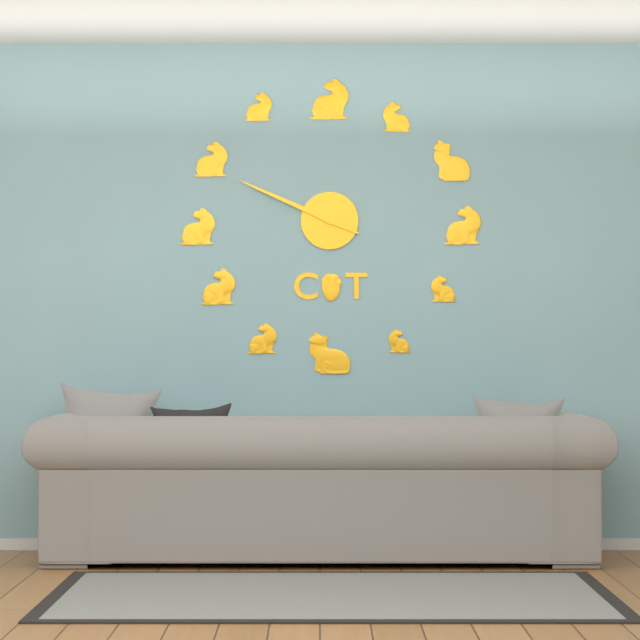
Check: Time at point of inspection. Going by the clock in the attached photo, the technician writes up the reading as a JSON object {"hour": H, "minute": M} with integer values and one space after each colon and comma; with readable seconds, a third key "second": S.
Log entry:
{"hour": 9, "minute": 49}
